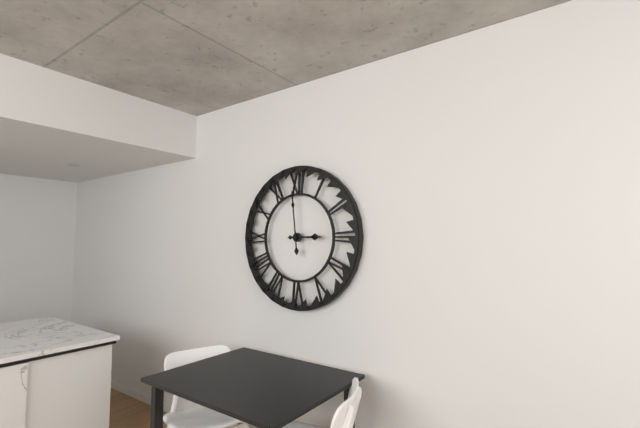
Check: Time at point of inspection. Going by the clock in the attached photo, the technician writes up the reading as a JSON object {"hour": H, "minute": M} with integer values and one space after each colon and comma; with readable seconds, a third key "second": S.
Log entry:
{"hour": 2, "minute": 59}
